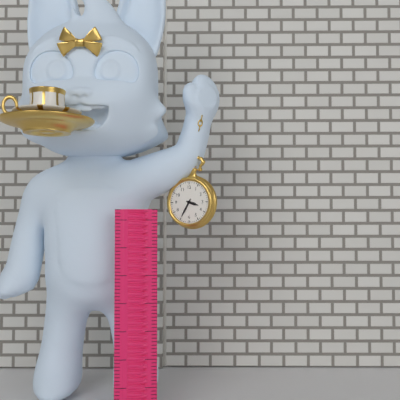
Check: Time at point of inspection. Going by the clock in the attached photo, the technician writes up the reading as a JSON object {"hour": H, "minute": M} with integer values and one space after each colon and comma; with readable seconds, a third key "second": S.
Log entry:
{"hour": 3, "minute": 35}
